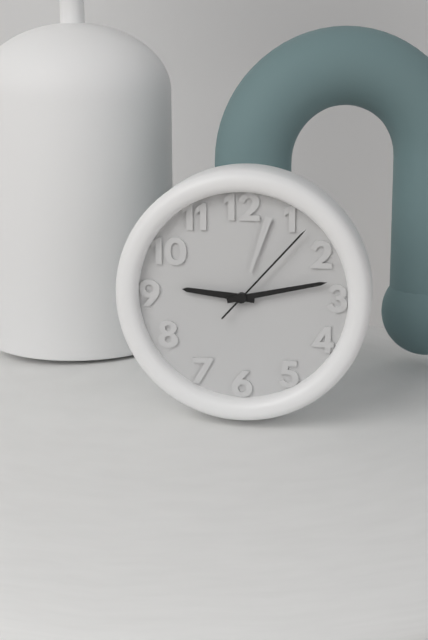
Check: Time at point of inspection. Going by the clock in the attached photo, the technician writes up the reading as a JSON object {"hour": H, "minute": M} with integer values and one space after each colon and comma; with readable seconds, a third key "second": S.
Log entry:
{"hour": 9, "minute": 13, "second": 7}
